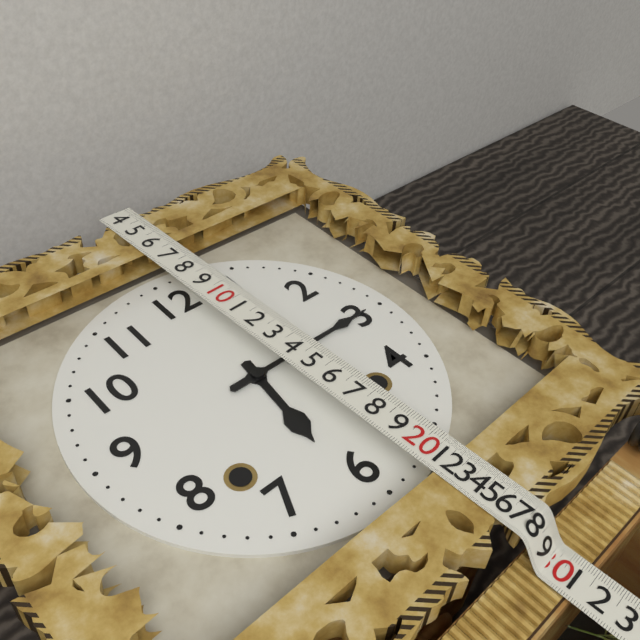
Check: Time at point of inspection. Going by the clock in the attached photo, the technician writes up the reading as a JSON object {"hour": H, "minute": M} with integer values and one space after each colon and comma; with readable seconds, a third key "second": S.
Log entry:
{"hour": 6, "minute": 15}
